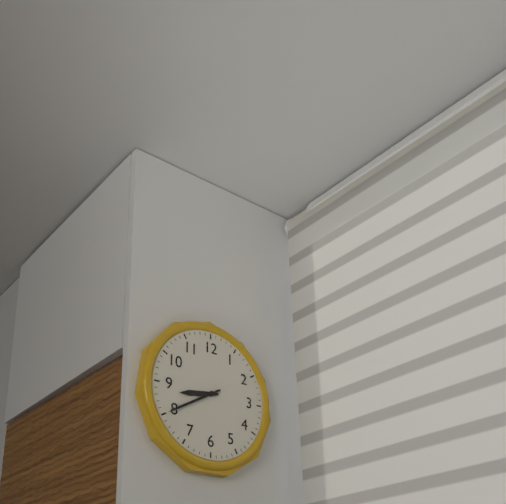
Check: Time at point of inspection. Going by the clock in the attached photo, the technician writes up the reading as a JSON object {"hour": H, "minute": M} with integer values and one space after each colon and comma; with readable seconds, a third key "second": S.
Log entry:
{"hour": 8, "minute": 40}
